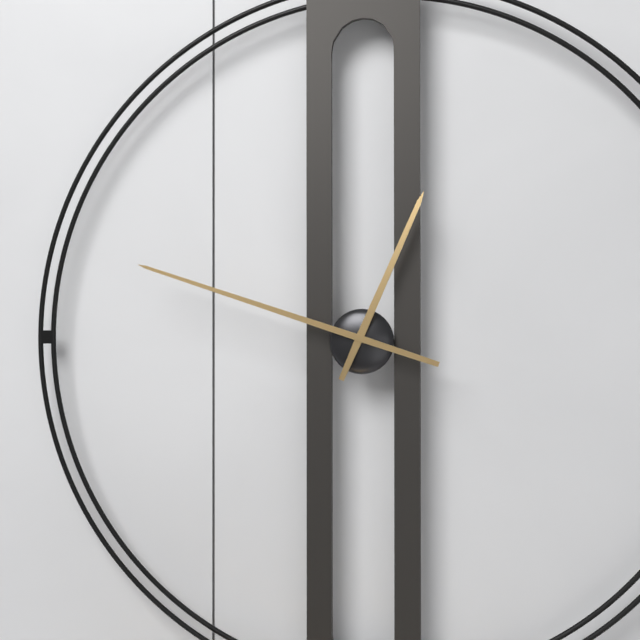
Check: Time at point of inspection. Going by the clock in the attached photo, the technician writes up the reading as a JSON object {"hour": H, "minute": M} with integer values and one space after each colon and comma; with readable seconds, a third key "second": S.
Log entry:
{"hour": 12, "minute": 48}
